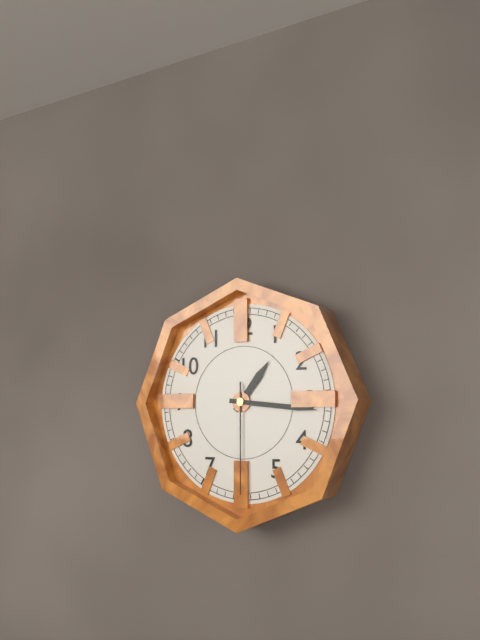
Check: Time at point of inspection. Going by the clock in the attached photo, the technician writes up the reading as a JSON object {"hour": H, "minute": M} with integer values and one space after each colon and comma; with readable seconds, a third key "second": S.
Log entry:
{"hour": 1, "minute": 16, "second": 30}
